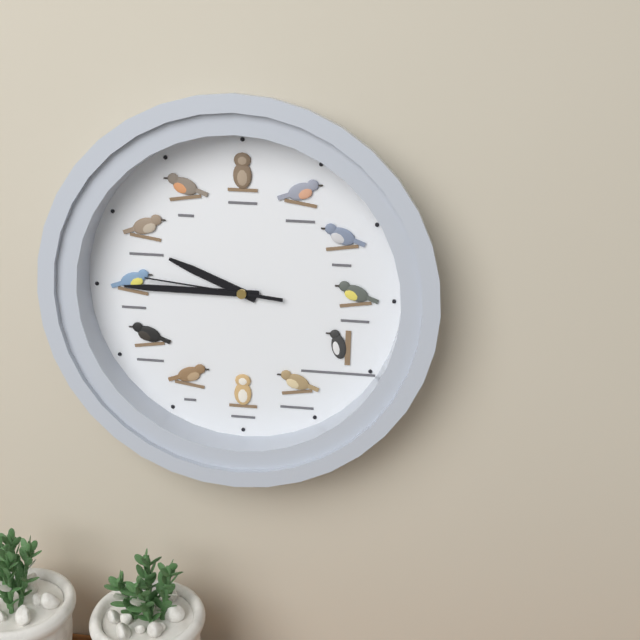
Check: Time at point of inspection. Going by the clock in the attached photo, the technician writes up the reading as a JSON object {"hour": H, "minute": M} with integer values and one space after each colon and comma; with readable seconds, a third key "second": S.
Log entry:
{"hour": 9, "minute": 45, "second": 46}
